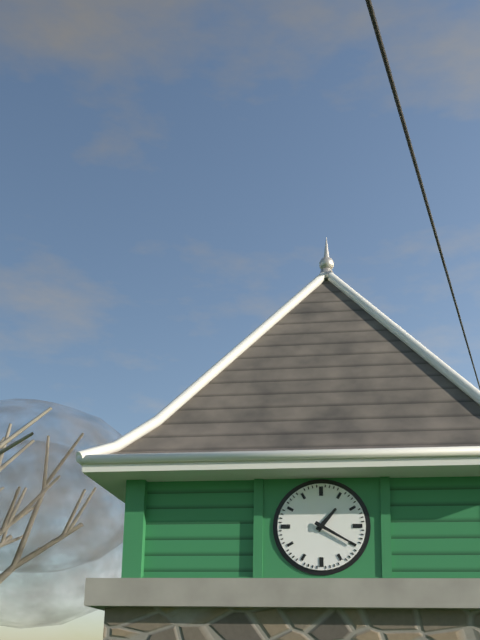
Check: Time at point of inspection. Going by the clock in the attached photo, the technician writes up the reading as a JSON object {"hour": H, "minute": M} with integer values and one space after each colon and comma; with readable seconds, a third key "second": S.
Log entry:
{"hour": 1, "minute": 20}
